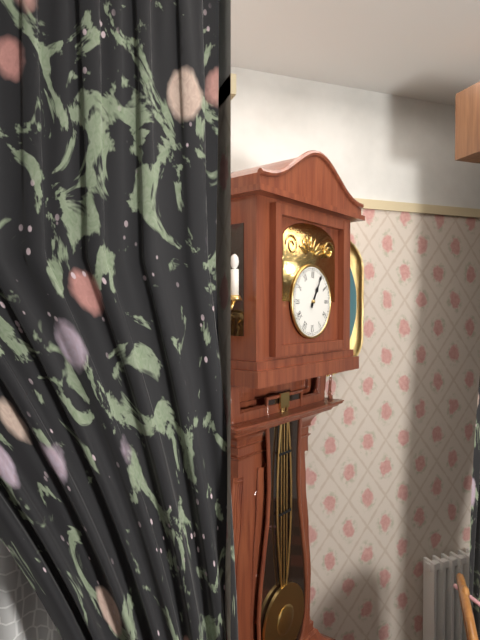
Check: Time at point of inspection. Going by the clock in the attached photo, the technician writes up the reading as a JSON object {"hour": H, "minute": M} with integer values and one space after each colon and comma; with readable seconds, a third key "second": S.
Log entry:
{"hour": 1, "minute": 5}
